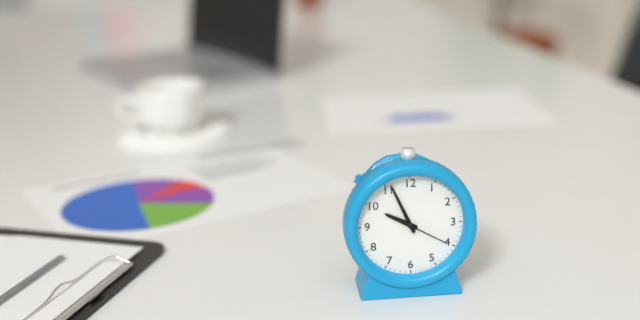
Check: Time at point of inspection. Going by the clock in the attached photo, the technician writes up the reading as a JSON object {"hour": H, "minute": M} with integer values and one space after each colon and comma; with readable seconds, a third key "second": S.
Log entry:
{"hour": 9, "minute": 56, "second": 20}
